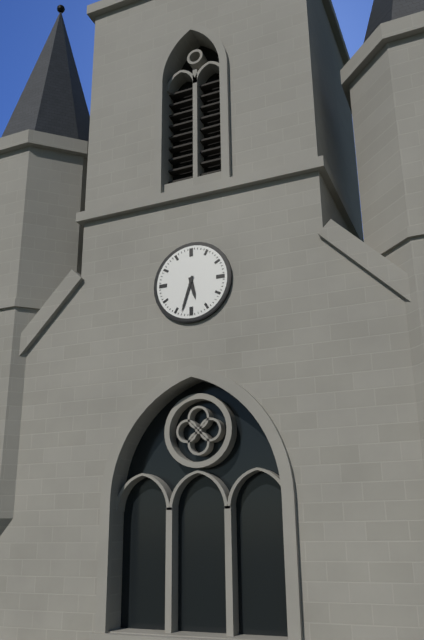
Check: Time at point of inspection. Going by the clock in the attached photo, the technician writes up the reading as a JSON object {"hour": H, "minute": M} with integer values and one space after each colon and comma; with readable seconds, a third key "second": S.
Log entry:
{"hour": 5, "minute": 33}
